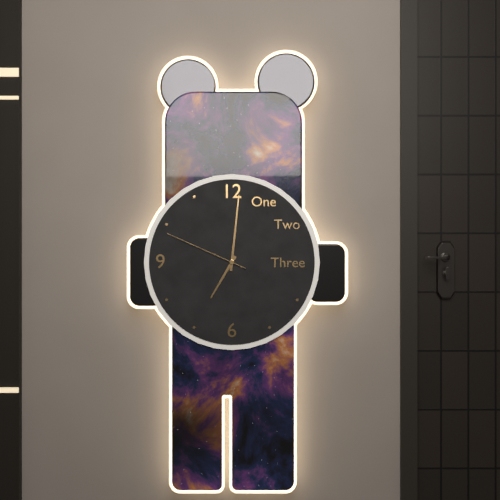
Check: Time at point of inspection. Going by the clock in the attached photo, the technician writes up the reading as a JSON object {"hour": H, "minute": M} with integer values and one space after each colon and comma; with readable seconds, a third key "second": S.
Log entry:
{"hour": 7, "minute": 1, "second": 49}
